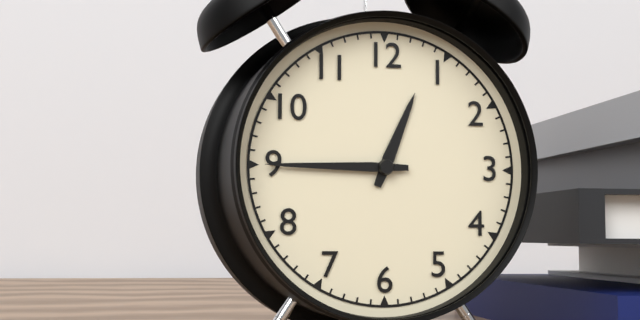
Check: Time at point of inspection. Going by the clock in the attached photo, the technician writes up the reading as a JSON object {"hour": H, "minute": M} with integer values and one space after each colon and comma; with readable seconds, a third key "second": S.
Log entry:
{"hour": 12, "minute": 45}
